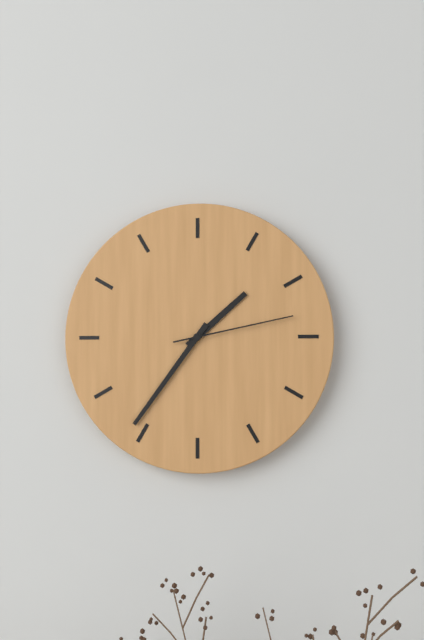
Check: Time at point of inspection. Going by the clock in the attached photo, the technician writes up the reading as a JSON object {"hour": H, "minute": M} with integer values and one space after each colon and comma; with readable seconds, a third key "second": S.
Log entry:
{"hour": 1, "minute": 36, "second": 13}
